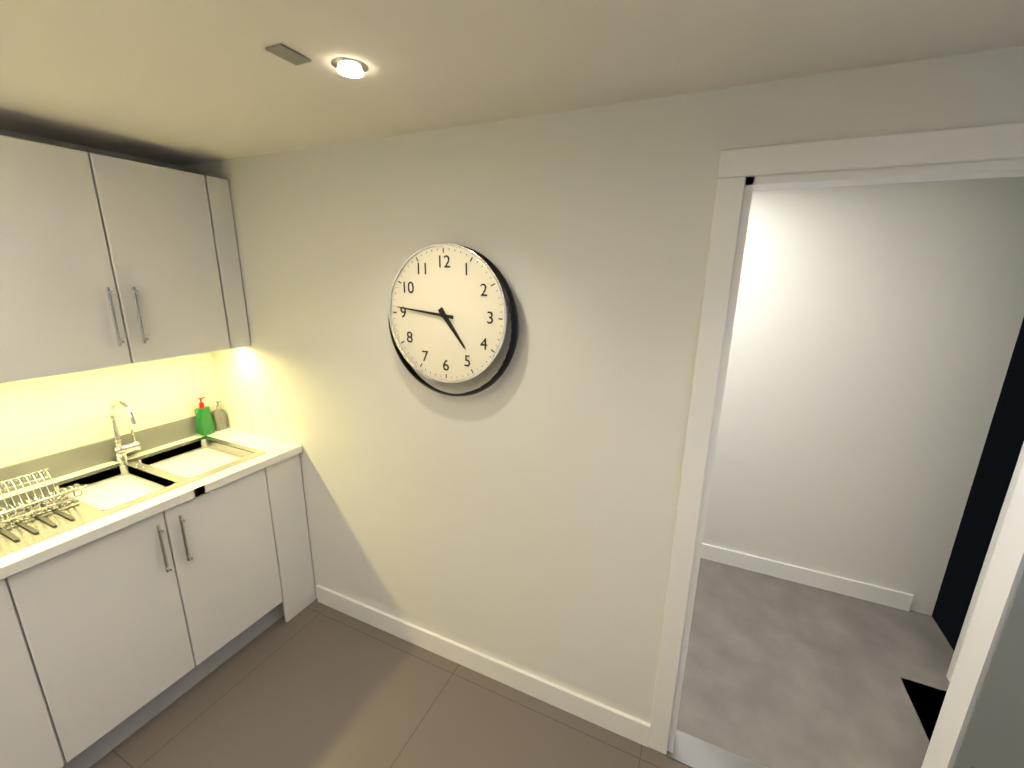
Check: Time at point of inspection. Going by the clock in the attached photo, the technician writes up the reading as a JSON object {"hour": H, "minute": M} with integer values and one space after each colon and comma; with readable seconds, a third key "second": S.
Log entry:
{"hour": 4, "minute": 46}
